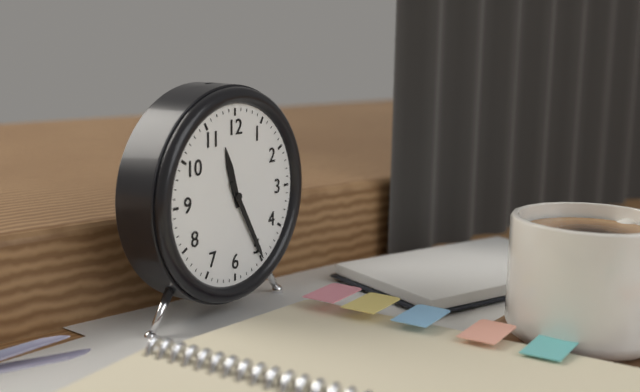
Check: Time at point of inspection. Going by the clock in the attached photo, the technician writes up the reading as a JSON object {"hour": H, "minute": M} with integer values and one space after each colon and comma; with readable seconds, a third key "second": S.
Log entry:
{"hour": 11, "minute": 25}
